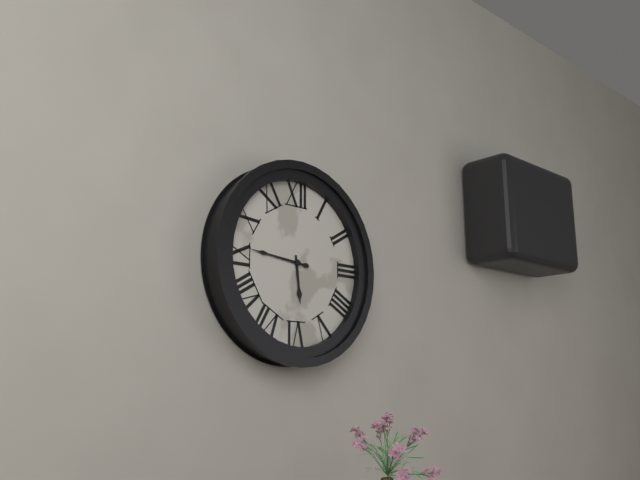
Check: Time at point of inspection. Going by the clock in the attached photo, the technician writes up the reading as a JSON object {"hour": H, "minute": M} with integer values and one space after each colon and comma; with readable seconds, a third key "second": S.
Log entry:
{"hour": 5, "minute": 46}
